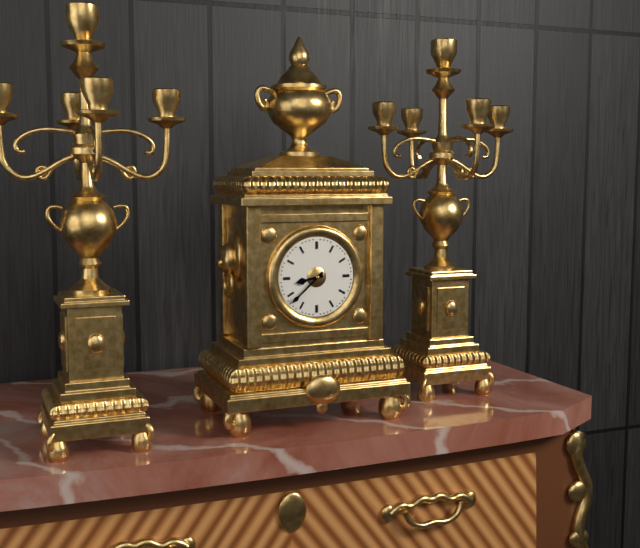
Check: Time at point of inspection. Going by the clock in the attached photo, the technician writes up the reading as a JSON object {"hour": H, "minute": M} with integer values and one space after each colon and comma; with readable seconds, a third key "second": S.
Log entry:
{"hour": 8, "minute": 38}
